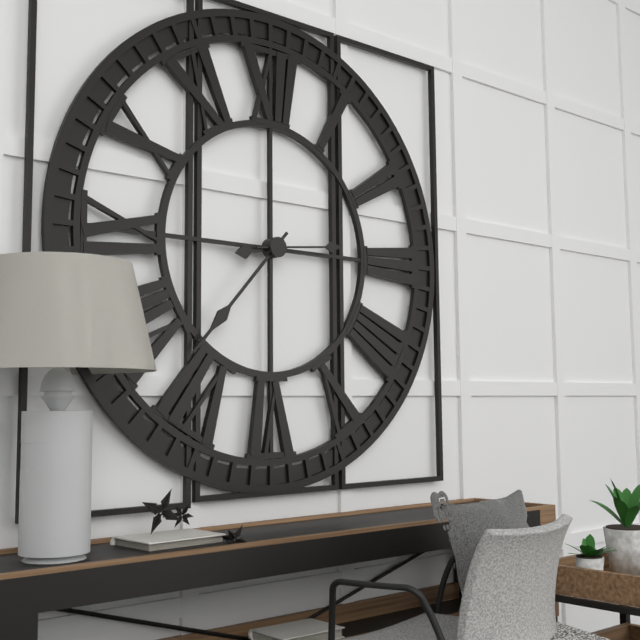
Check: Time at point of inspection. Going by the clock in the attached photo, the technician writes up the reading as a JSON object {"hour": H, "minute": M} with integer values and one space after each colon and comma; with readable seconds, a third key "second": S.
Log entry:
{"hour": 8, "minute": 37, "second": 14}
